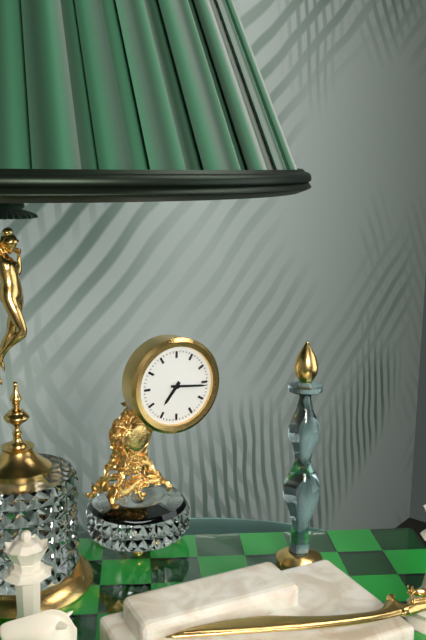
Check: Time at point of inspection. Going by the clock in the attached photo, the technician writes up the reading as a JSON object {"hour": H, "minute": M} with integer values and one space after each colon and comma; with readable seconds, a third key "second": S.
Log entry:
{"hour": 7, "minute": 16}
